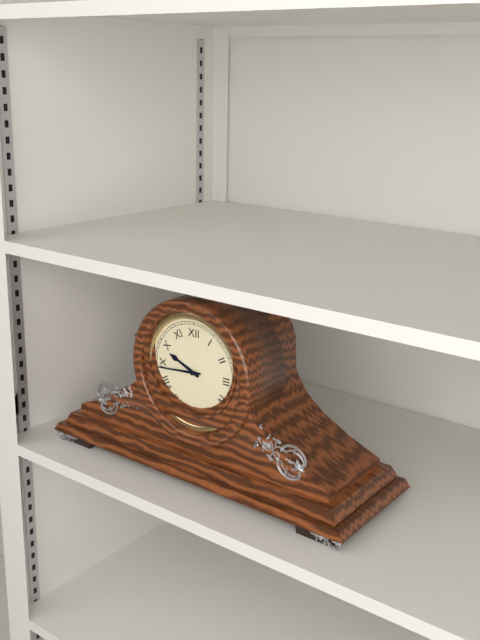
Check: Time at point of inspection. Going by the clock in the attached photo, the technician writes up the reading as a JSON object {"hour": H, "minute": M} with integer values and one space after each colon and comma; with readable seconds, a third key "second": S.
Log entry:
{"hour": 9, "minute": 44}
